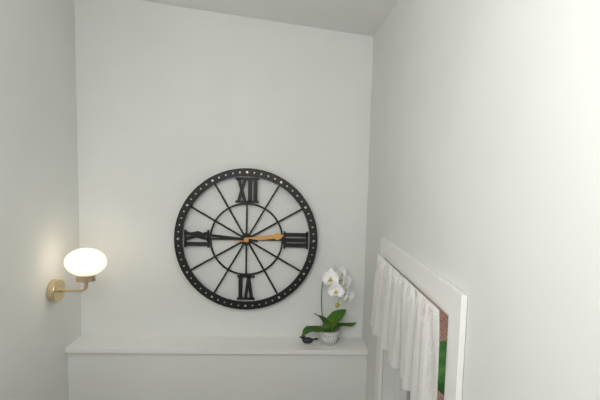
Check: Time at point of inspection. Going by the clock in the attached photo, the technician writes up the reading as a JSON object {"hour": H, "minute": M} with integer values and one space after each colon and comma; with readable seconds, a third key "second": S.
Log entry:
{"hour": 2, "minute": 46}
